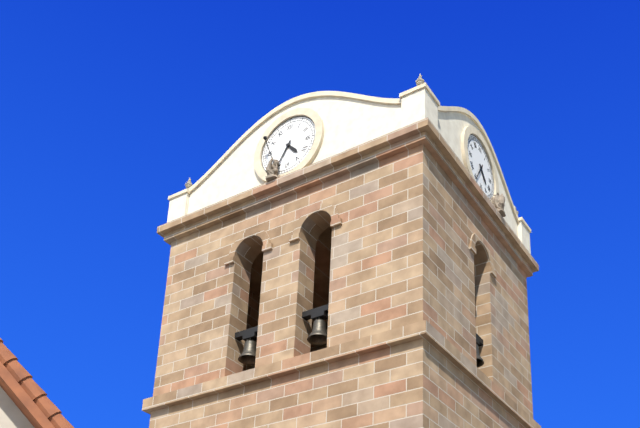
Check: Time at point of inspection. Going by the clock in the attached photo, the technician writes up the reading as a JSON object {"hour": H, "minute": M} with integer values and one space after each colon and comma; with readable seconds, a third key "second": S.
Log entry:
{"hour": 4, "minute": 35}
